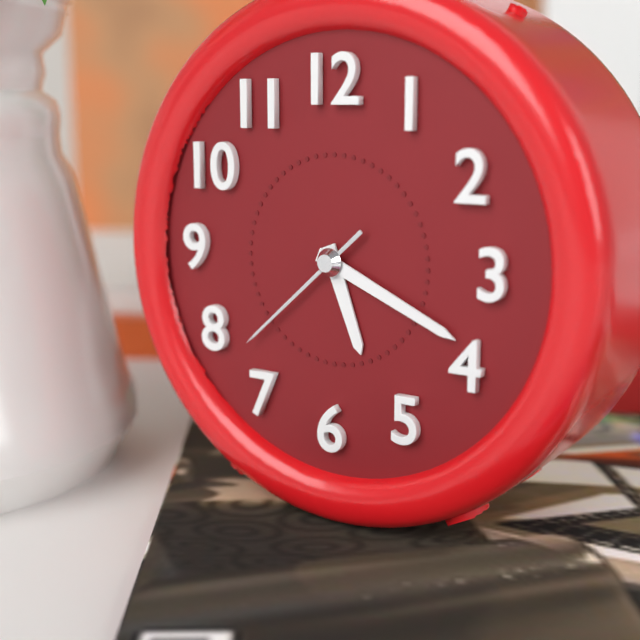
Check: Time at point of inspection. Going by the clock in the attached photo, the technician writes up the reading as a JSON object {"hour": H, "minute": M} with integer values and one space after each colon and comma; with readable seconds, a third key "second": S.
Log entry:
{"hour": 5, "minute": 19, "second": 38}
